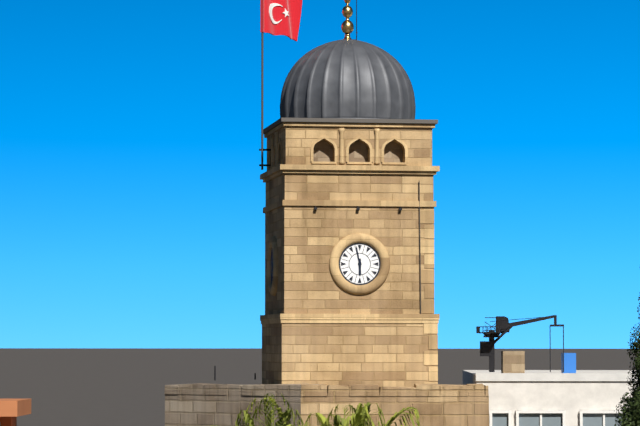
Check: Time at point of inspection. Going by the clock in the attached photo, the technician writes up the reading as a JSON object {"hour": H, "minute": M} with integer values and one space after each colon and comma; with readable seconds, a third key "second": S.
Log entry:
{"hour": 5, "minute": 58}
